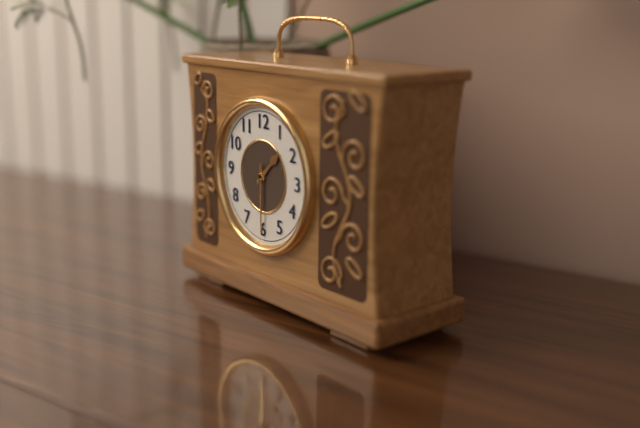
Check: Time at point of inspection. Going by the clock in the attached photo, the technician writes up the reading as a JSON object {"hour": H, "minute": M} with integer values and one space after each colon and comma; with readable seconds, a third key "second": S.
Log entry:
{"hour": 1, "minute": 30}
